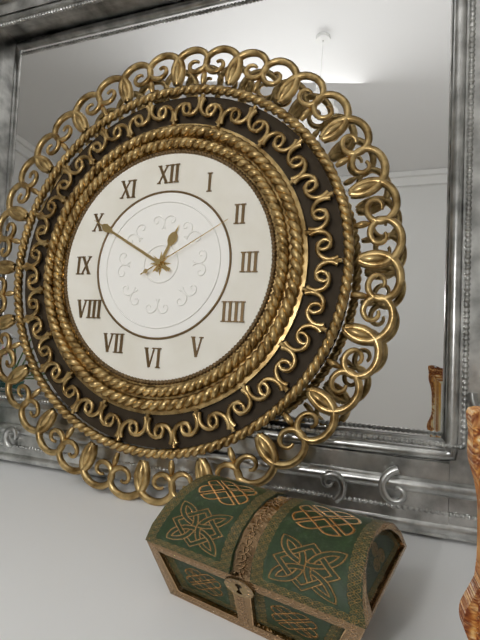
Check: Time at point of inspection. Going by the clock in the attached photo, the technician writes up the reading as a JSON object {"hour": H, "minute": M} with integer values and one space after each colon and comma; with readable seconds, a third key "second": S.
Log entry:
{"hour": 12, "minute": 50, "second": 10}
